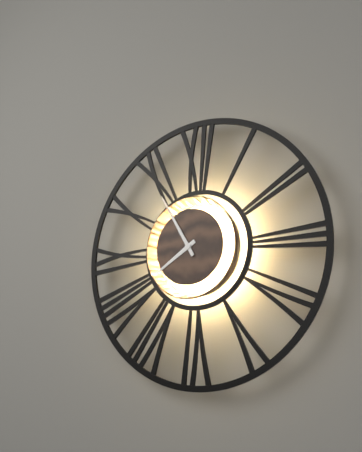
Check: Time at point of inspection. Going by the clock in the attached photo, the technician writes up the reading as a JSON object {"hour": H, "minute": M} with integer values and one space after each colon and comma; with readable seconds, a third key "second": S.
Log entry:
{"hour": 7, "minute": 55}
